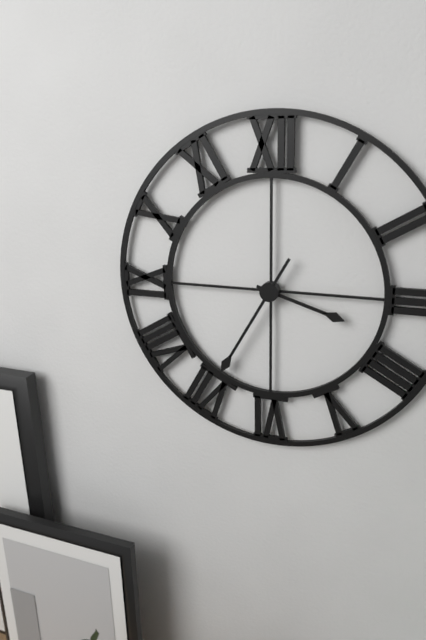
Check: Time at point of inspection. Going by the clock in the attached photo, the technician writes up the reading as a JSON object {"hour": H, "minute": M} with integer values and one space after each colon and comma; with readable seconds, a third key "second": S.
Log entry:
{"hour": 3, "minute": 35}
